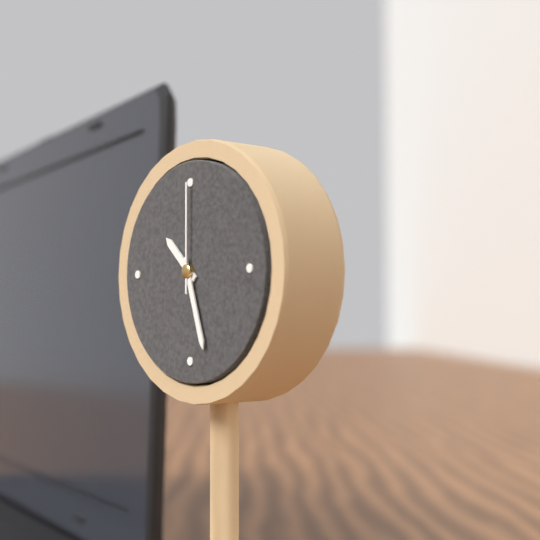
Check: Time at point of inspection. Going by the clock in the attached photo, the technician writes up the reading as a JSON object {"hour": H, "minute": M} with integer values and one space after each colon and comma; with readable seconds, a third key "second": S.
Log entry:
{"hour": 10, "minute": 27, "second": 0}
